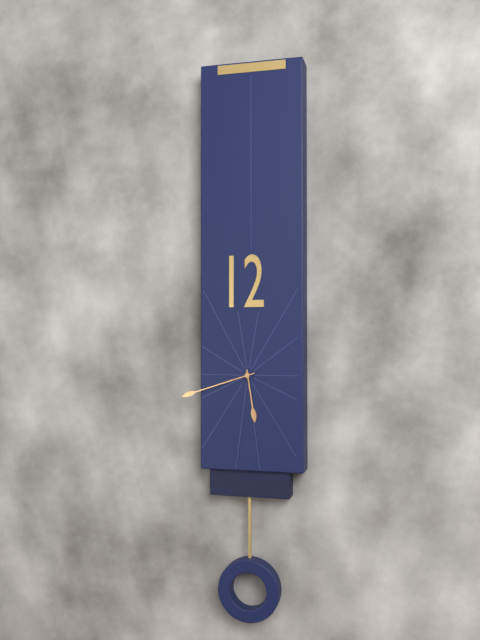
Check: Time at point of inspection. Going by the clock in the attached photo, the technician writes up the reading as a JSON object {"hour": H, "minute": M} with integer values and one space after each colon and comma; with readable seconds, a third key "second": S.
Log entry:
{"hour": 5, "minute": 42}
